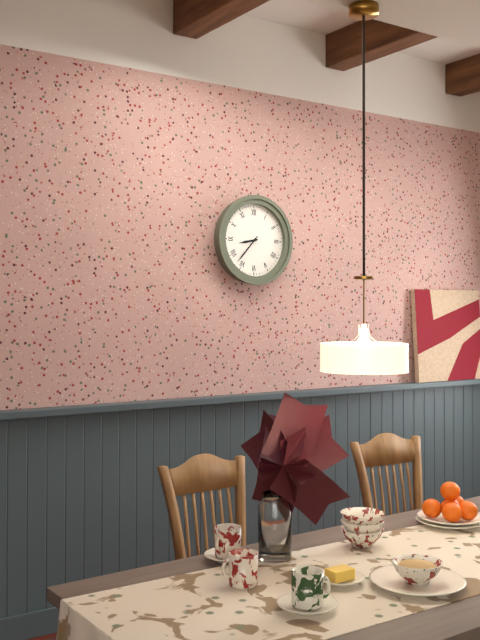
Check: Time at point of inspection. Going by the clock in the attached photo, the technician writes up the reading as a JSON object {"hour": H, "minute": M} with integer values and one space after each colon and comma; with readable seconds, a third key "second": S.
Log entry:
{"hour": 8, "minute": 37}
